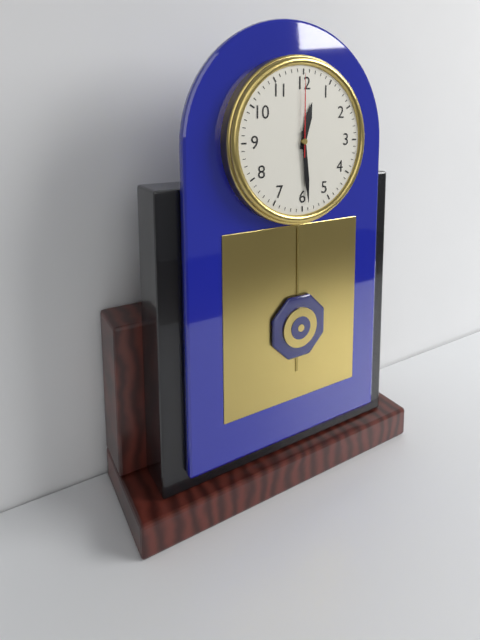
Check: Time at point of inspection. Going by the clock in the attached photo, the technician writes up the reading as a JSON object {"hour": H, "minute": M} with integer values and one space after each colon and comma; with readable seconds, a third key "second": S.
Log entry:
{"hour": 12, "minute": 29, "second": 0}
